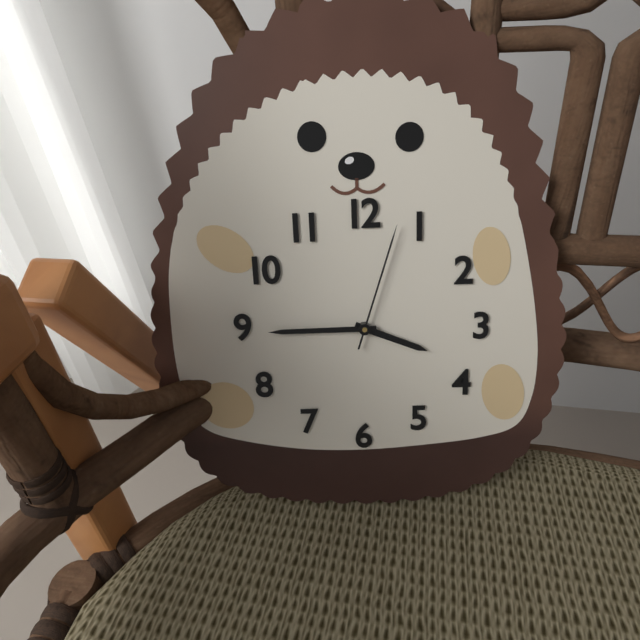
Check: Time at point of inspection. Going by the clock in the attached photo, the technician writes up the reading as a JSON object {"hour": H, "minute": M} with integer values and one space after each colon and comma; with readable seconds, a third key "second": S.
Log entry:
{"hour": 3, "minute": 45, "second": 3}
